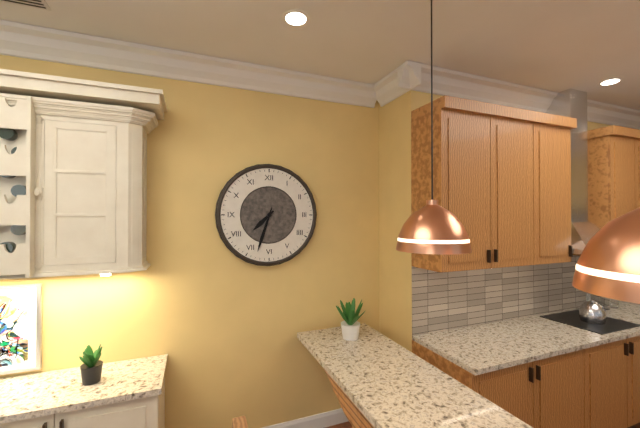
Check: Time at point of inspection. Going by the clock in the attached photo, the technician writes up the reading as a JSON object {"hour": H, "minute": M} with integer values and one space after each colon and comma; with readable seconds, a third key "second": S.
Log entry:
{"hour": 7, "minute": 33}
